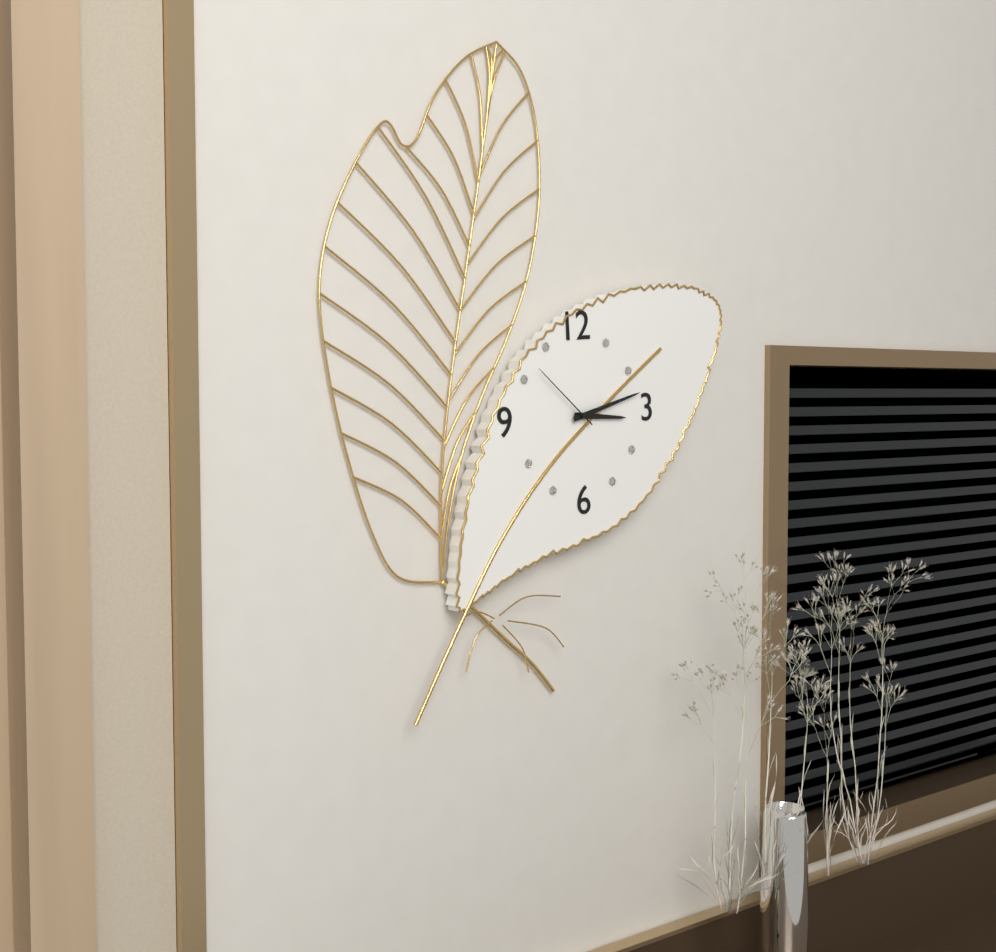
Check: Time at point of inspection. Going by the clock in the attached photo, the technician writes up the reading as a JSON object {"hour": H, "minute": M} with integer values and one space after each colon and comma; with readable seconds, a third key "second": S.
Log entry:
{"hour": 3, "minute": 13, "second": 52}
